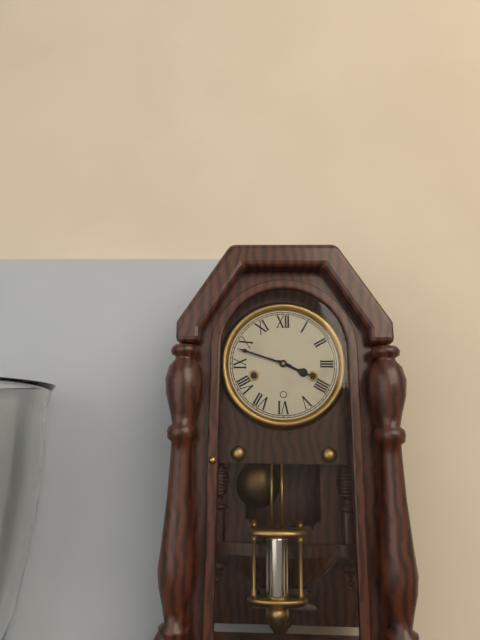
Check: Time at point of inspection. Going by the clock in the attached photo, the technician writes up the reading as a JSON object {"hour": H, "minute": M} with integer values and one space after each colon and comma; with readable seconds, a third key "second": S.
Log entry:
{"hour": 3, "minute": 48}
